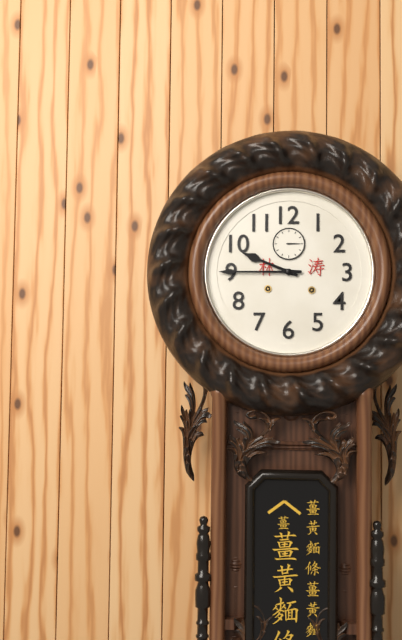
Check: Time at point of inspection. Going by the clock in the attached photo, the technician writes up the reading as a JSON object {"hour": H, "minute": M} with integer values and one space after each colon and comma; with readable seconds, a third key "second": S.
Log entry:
{"hour": 9, "minute": 45}
